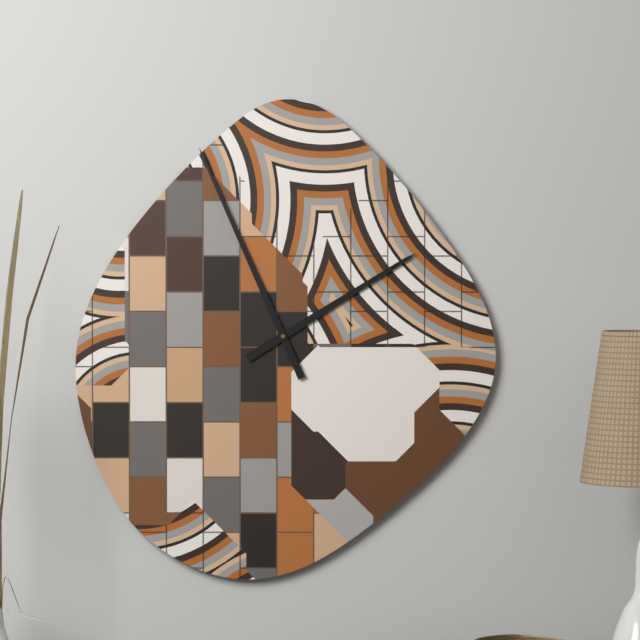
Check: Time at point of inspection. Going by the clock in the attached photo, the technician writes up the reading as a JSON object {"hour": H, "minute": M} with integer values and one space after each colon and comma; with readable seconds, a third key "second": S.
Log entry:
{"hour": 1, "minute": 56}
